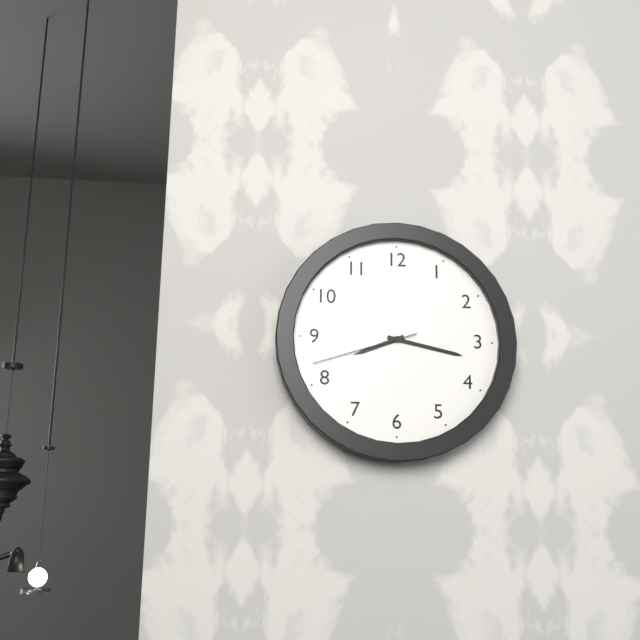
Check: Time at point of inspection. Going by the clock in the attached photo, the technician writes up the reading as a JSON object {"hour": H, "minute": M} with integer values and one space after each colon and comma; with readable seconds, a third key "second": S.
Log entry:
{"hour": 8, "minute": 17, "second": 42}
